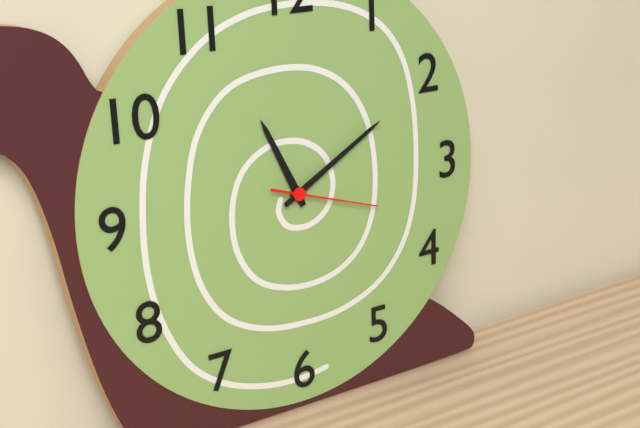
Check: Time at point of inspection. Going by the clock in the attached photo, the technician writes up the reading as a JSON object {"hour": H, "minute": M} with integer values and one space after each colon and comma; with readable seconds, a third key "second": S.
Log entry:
{"hour": 11, "minute": 10, "second": 18}
